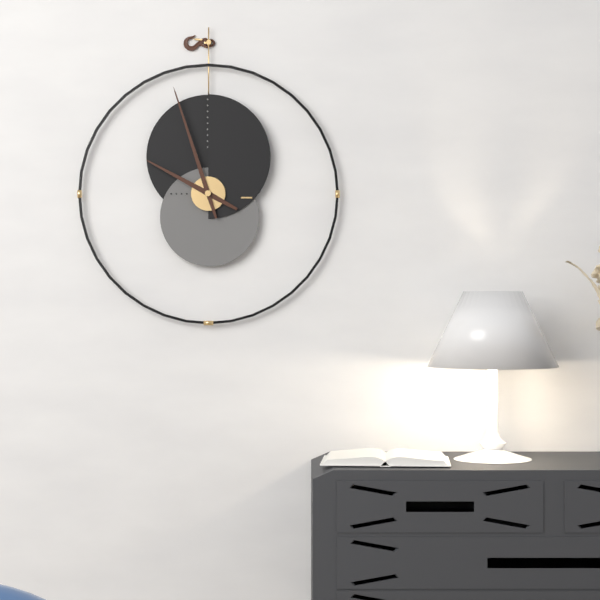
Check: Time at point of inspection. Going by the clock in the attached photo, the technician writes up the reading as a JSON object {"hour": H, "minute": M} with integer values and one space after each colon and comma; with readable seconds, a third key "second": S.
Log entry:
{"hour": 9, "minute": 57}
